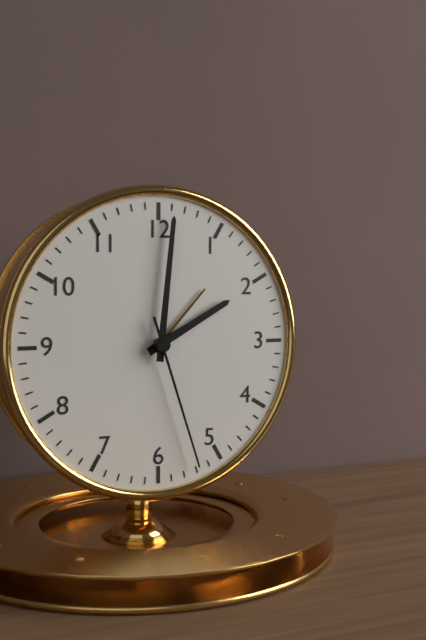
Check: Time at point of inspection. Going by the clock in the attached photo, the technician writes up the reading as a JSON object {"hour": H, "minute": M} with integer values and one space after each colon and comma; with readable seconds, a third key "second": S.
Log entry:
{"hour": 2, "minute": 1, "second": 27}
